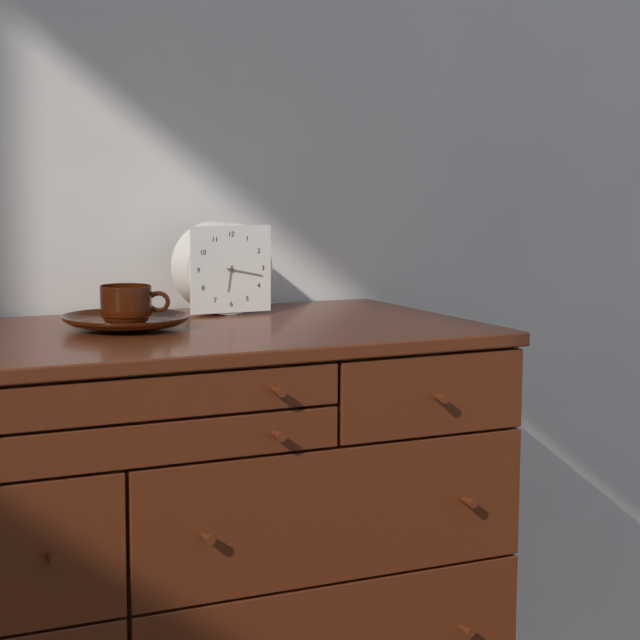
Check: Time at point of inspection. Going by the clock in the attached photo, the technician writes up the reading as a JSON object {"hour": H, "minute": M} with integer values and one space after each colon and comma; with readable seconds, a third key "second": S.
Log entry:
{"hour": 6, "minute": 17}
